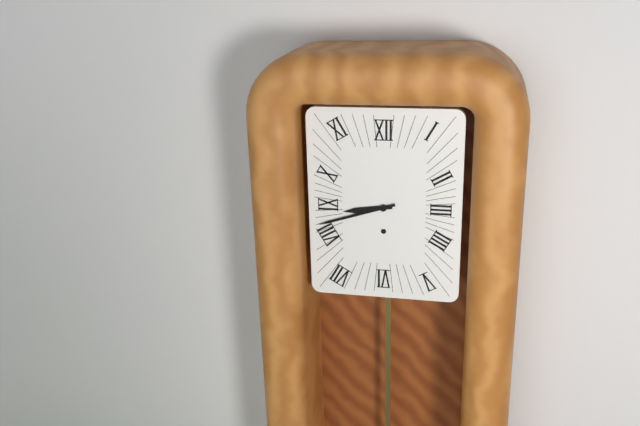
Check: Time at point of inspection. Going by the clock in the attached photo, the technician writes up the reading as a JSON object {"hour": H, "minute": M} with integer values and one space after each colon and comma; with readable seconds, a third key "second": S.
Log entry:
{"hour": 8, "minute": 42}
